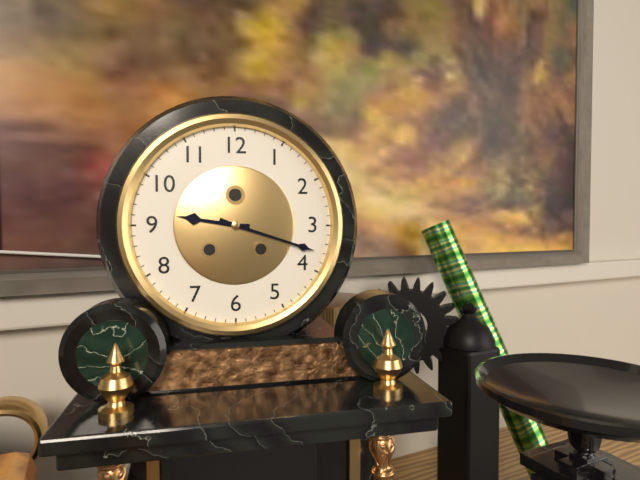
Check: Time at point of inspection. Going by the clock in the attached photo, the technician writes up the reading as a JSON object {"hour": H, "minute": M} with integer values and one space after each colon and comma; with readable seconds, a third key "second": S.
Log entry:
{"hour": 9, "minute": 18}
